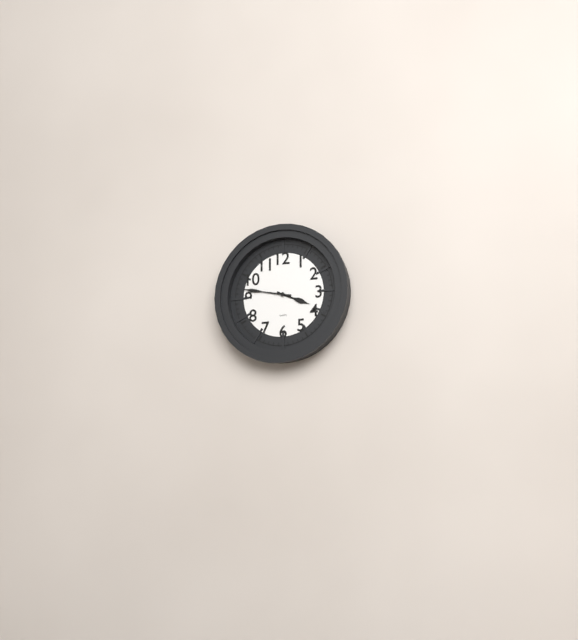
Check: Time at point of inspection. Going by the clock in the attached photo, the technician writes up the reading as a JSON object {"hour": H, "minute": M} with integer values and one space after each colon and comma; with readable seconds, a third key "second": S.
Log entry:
{"hour": 3, "minute": 47}
